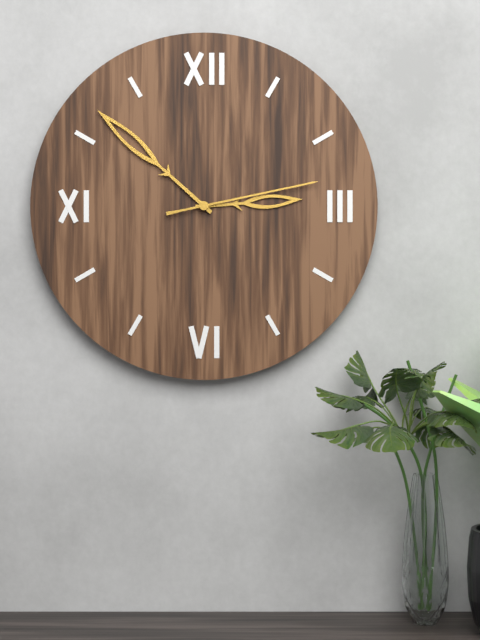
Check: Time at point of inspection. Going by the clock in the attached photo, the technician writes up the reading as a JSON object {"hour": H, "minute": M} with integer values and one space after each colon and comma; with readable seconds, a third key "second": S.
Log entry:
{"hour": 2, "minute": 52, "second": 13}
